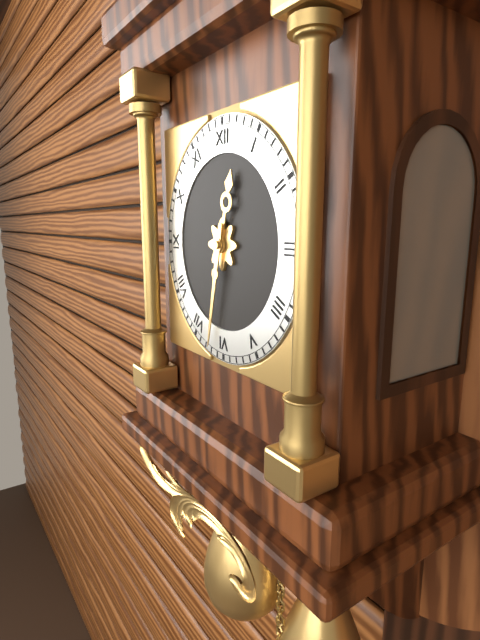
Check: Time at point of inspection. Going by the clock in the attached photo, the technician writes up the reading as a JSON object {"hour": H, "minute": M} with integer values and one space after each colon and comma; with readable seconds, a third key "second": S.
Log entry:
{"hour": 12, "minute": 32}
